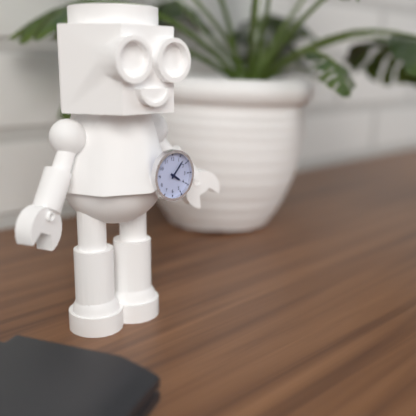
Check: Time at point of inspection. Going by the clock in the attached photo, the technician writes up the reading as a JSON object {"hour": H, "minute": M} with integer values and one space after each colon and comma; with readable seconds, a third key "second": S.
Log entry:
{"hour": 4, "minute": 7}
